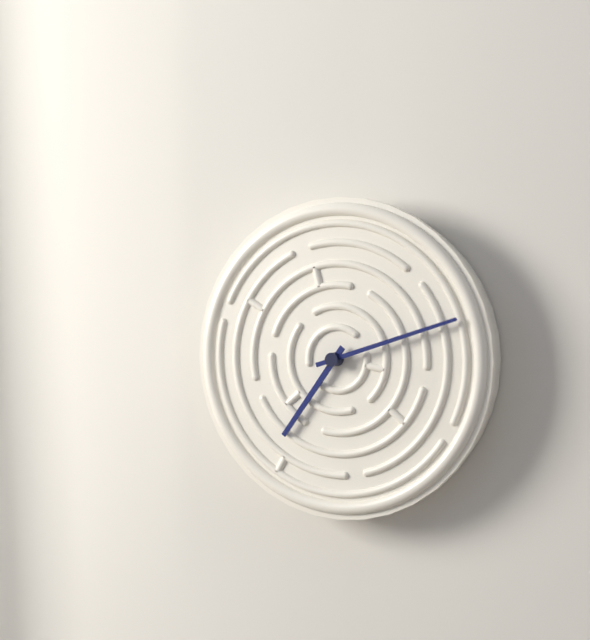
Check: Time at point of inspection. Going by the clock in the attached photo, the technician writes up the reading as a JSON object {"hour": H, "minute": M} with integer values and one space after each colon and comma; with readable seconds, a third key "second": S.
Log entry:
{"hour": 7, "minute": 12}
